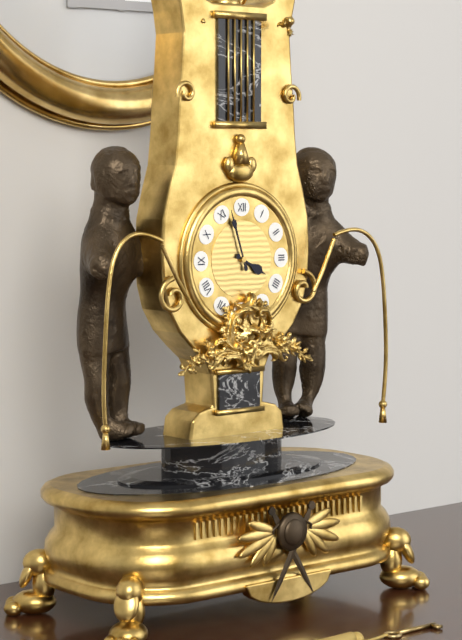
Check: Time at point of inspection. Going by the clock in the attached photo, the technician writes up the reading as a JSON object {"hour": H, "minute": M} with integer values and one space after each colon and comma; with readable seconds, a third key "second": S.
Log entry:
{"hour": 3, "minute": 57}
